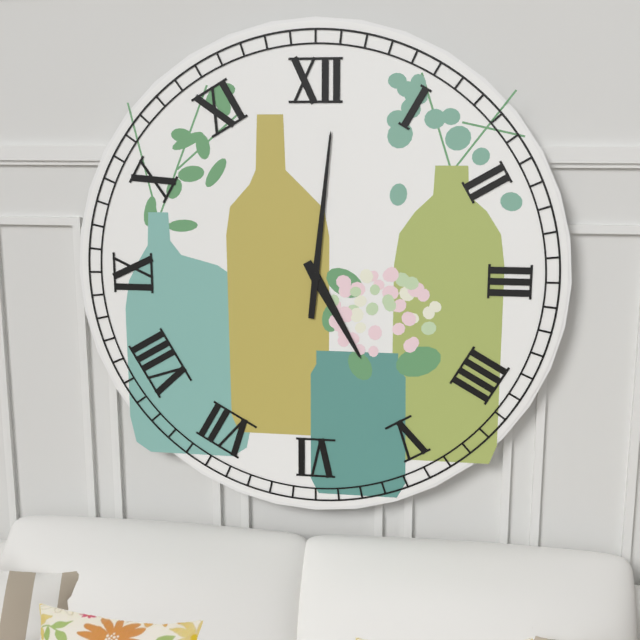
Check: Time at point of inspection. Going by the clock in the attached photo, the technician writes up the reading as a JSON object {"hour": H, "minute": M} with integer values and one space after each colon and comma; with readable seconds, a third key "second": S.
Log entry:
{"hour": 5, "minute": 1}
